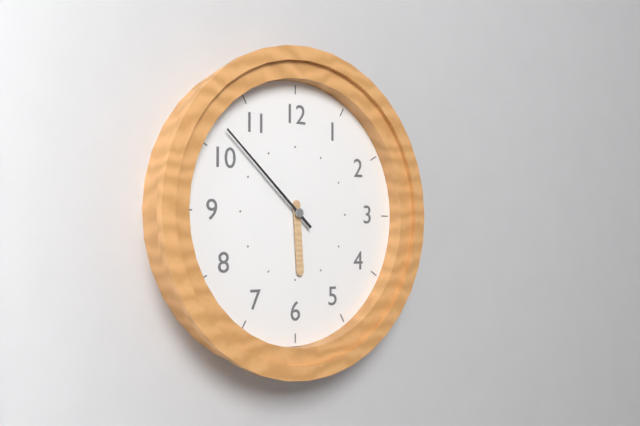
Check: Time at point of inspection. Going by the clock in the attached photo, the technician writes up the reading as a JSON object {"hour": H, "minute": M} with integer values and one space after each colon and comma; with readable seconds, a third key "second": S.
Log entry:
{"hour": 5, "minute": 52}
